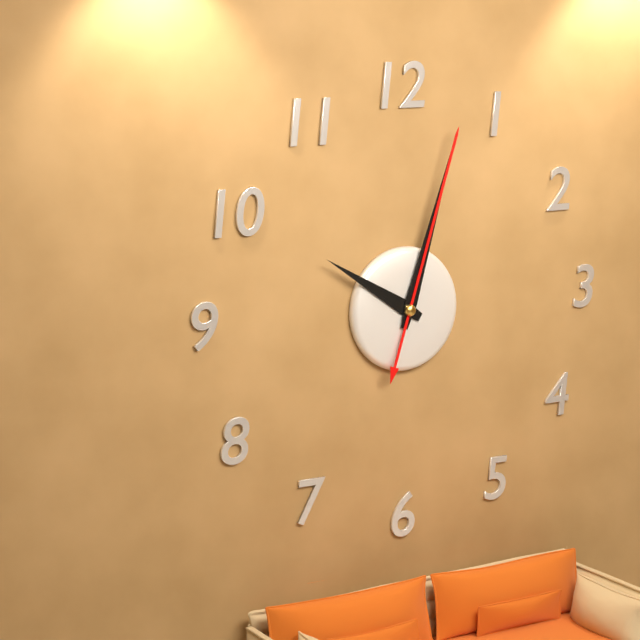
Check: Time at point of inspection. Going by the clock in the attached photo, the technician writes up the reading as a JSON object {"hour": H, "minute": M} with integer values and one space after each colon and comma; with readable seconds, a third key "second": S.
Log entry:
{"hour": 10, "minute": 3, "second": 3}
